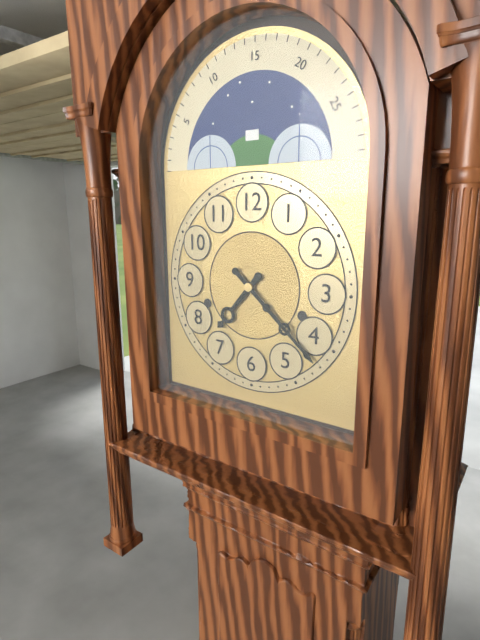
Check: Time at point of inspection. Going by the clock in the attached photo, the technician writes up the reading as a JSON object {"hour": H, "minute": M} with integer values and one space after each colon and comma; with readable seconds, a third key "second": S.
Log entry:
{"hour": 7, "minute": 22}
